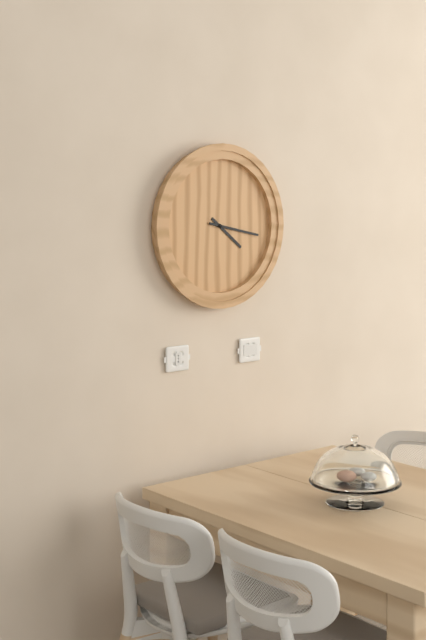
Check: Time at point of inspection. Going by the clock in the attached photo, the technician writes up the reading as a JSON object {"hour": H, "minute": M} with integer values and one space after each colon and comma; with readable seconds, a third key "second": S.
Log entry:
{"hour": 4, "minute": 17}
